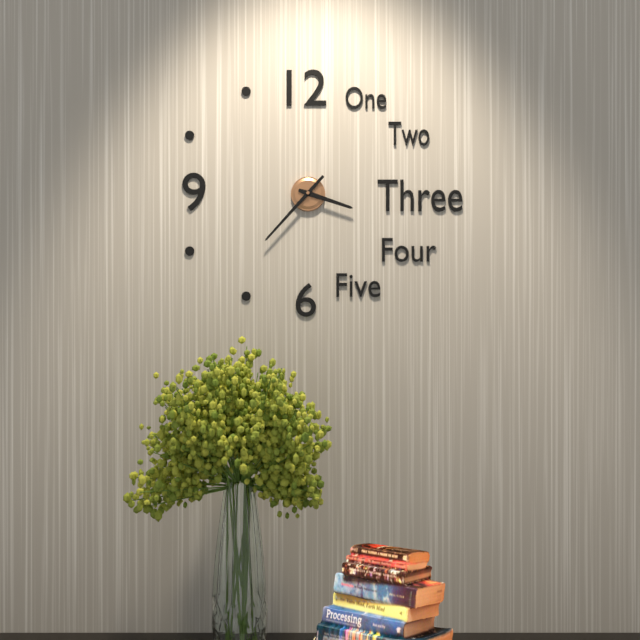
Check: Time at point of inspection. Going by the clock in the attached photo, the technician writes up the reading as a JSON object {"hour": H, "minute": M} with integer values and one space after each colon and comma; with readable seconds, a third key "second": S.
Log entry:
{"hour": 3, "minute": 37}
